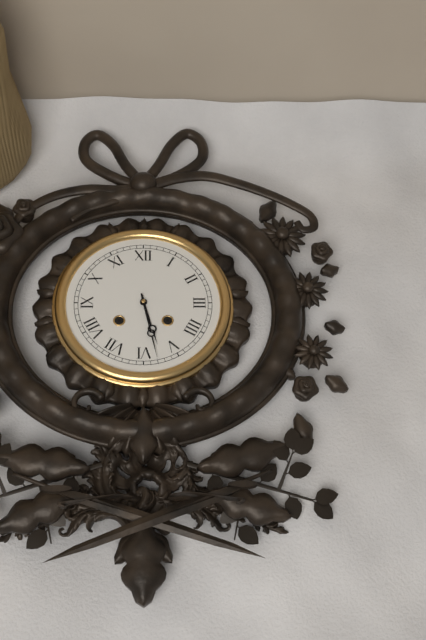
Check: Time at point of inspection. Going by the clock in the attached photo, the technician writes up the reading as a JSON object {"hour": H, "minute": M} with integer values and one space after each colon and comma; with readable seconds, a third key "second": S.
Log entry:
{"hour": 5, "minute": 28}
